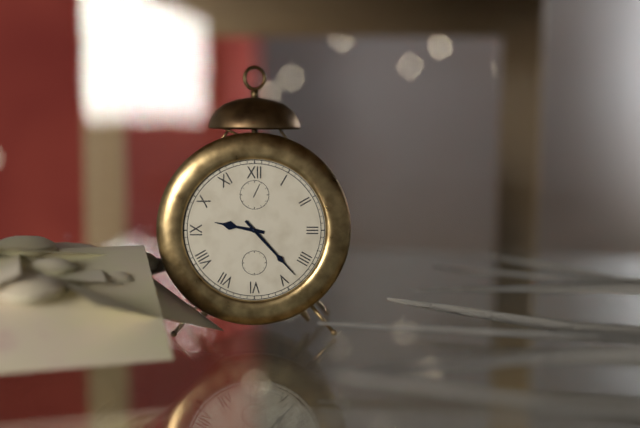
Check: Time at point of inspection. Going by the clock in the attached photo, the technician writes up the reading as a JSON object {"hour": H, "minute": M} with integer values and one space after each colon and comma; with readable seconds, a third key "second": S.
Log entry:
{"hour": 9, "minute": 23}
